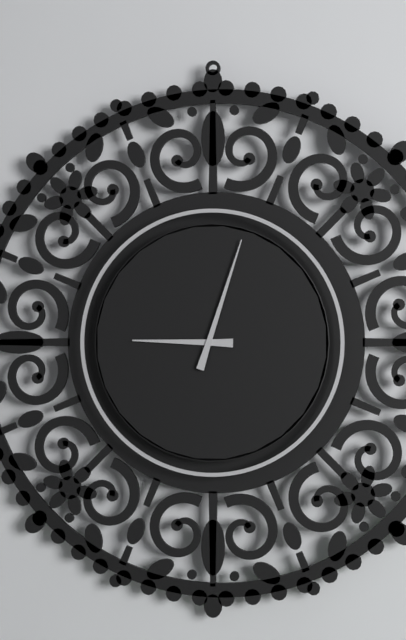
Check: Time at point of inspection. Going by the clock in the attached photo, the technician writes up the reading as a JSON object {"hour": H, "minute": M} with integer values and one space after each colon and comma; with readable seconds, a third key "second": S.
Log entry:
{"hour": 9, "minute": 3}
